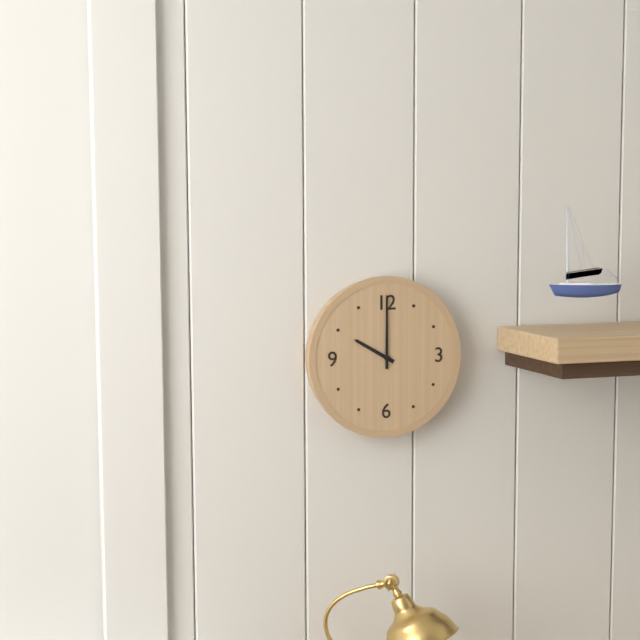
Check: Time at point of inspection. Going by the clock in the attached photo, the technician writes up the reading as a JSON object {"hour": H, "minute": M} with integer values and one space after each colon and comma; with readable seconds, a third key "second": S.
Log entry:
{"hour": 10, "minute": 0}
